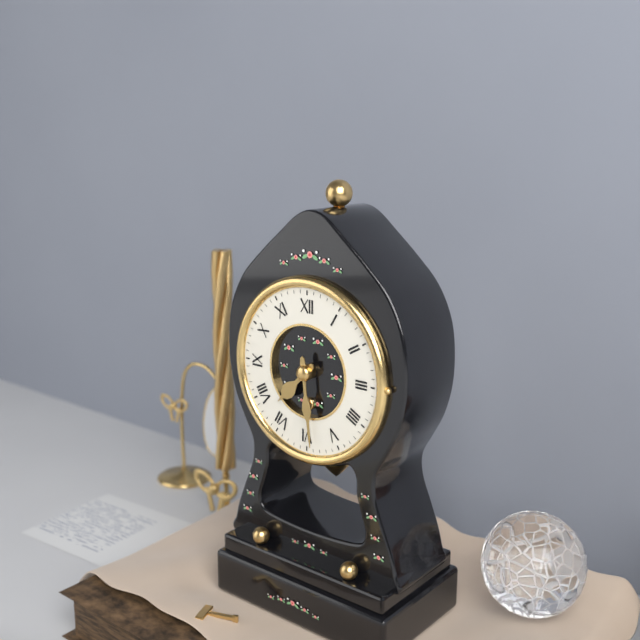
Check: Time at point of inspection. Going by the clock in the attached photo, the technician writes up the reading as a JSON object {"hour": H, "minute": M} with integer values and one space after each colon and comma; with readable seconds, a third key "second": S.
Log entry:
{"hour": 7, "minute": 29}
